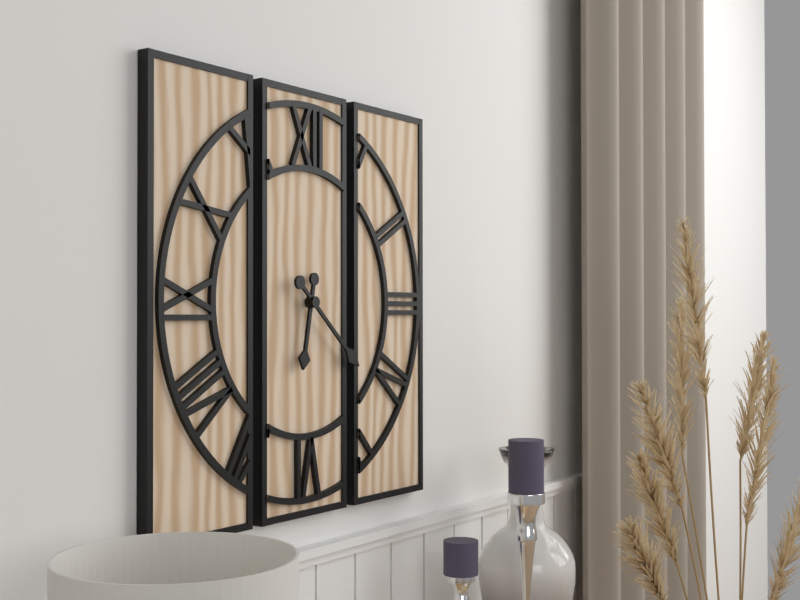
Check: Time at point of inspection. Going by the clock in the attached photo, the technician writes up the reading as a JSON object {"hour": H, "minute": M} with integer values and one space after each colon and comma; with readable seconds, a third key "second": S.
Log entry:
{"hour": 6, "minute": 22}
